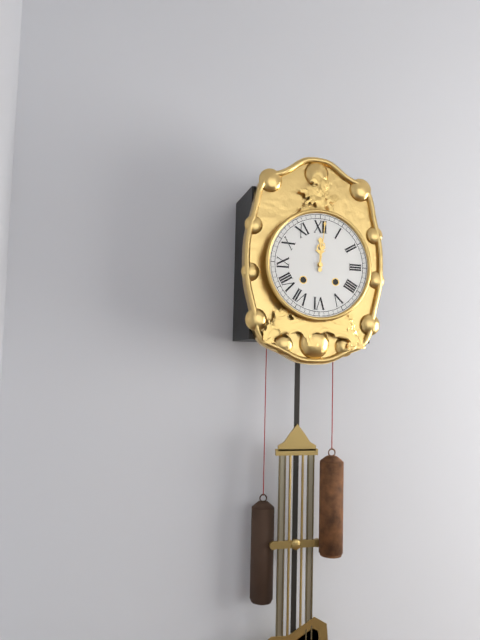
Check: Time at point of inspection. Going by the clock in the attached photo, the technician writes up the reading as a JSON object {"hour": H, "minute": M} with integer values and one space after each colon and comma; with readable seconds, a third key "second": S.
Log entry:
{"hour": 12, "minute": 1}
